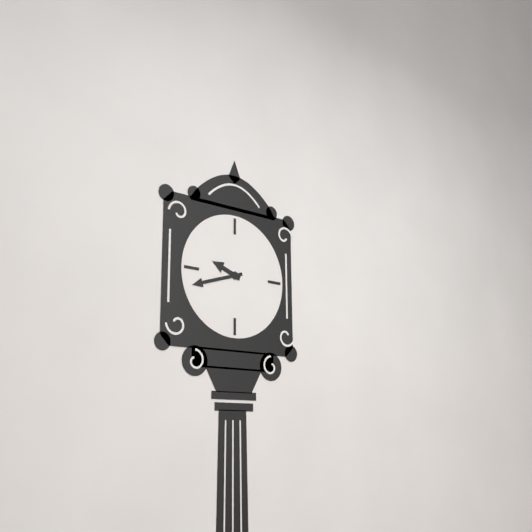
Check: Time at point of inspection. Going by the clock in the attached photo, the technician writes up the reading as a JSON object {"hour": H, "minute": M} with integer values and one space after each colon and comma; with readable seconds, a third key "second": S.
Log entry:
{"hour": 9, "minute": 42}
